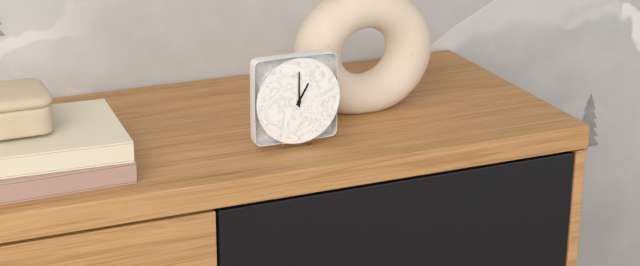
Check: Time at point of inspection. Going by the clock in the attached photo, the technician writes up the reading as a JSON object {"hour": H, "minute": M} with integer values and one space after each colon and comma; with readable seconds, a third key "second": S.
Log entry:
{"hour": 1, "minute": 0}
